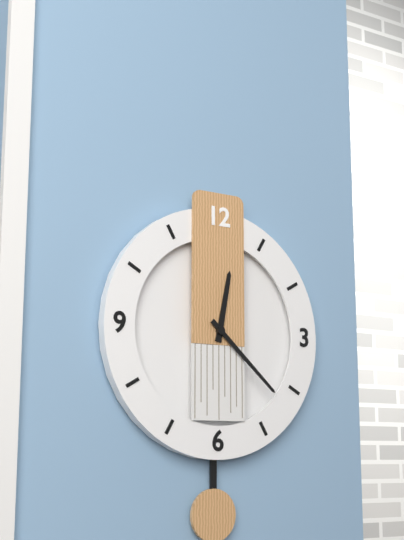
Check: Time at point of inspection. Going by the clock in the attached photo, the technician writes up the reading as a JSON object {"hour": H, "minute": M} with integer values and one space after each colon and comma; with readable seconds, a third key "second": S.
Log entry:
{"hour": 12, "minute": 22}
